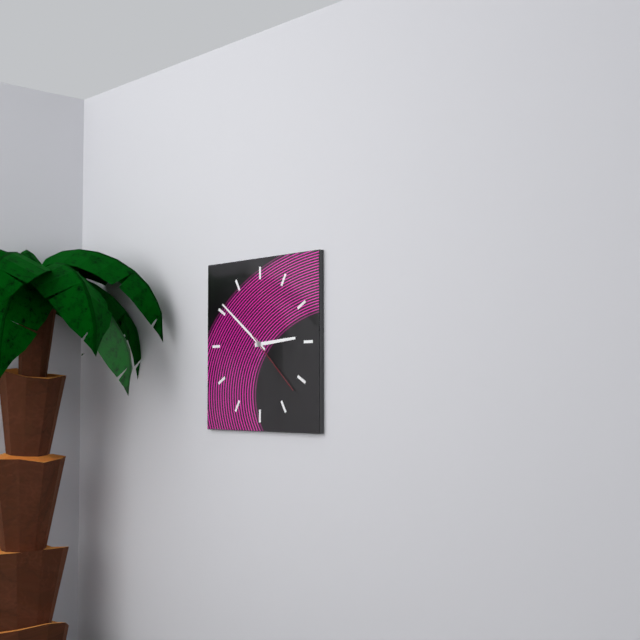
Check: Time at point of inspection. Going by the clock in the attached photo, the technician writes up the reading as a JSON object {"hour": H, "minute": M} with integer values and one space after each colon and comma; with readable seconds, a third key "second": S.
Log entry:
{"hour": 2, "minute": 51, "second": 22}
